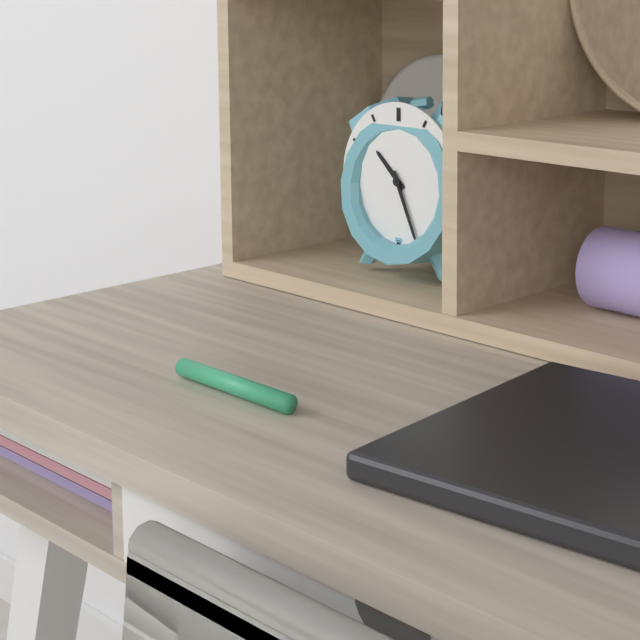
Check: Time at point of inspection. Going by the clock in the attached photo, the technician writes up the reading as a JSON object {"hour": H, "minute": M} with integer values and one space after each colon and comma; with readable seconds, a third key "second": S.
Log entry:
{"hour": 10, "minute": 26}
